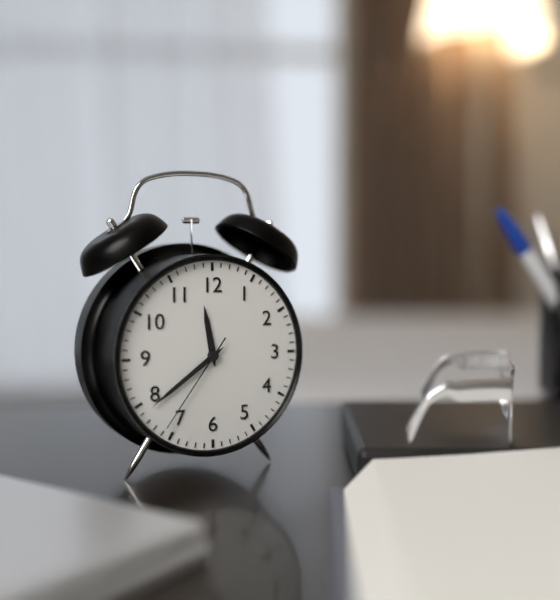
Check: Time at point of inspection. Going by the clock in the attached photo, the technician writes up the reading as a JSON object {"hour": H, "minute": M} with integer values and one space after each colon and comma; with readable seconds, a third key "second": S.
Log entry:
{"hour": 11, "minute": 39, "second": 36}
